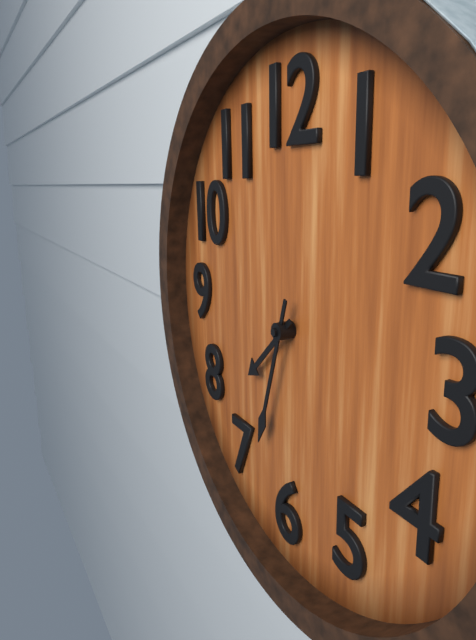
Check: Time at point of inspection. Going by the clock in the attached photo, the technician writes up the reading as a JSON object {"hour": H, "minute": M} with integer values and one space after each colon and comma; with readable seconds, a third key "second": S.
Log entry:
{"hour": 7, "minute": 33}
